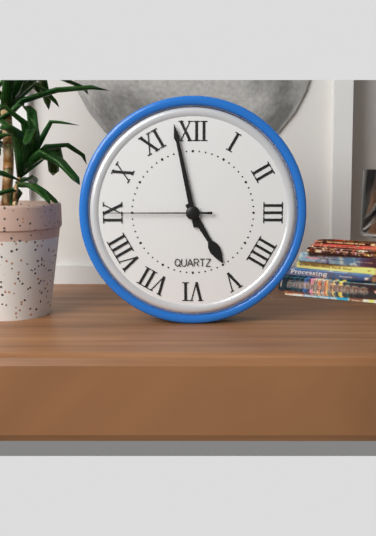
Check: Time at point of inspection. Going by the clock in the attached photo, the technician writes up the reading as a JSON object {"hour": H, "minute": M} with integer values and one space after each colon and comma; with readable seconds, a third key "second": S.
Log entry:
{"hour": 4, "minute": 58, "second": 45}
